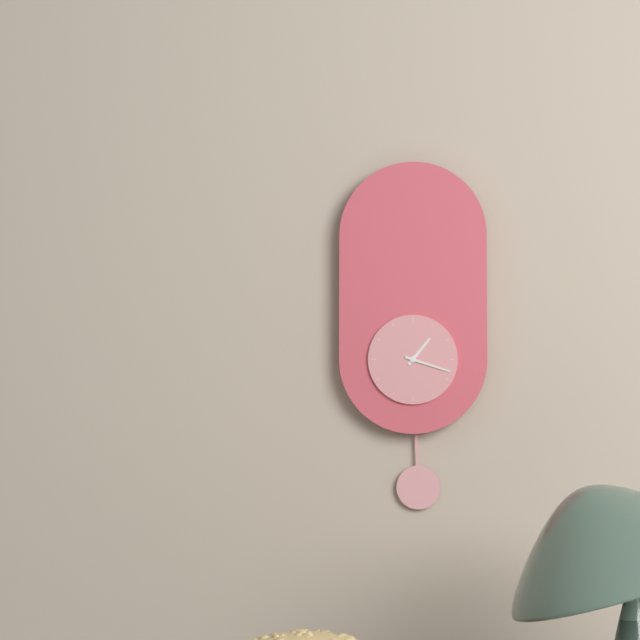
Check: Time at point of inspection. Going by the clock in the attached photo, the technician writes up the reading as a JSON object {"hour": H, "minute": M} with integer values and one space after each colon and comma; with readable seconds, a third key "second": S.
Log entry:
{"hour": 1, "minute": 18}
